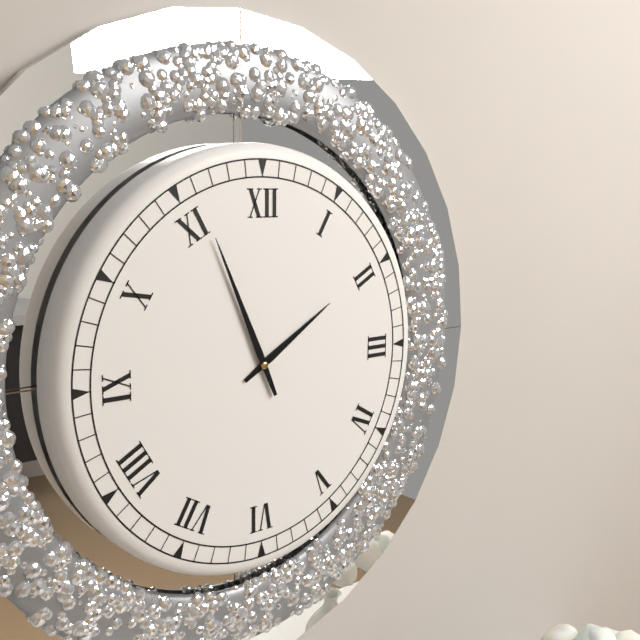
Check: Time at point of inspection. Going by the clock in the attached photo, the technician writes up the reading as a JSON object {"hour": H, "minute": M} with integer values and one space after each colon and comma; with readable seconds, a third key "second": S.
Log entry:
{"hour": 1, "minute": 56}
